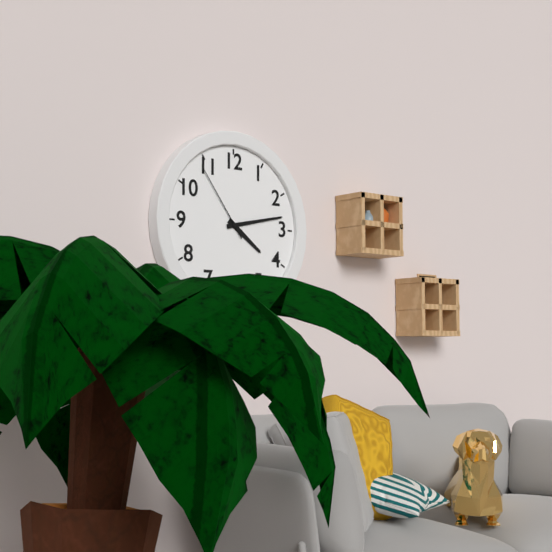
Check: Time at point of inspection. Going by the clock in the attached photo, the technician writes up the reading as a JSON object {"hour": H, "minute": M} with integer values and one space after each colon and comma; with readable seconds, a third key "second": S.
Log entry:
{"hour": 4, "minute": 13, "second": 54}
